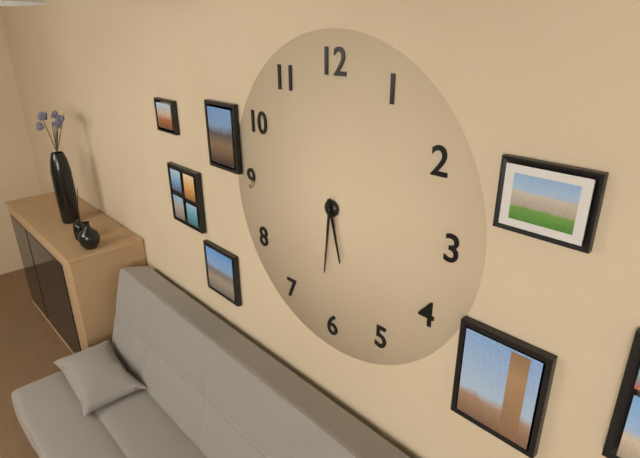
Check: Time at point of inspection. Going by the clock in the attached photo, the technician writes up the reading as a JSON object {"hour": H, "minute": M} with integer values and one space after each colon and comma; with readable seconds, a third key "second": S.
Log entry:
{"hour": 5, "minute": 31}
